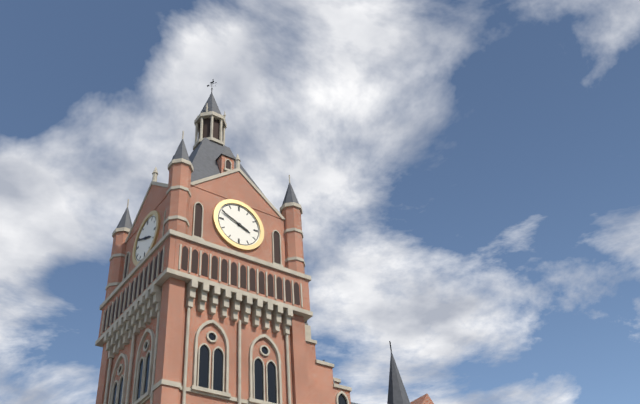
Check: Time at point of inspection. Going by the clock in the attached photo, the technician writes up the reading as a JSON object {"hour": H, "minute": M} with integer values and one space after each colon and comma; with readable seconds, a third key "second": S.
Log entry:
{"hour": 3, "minute": 49}
